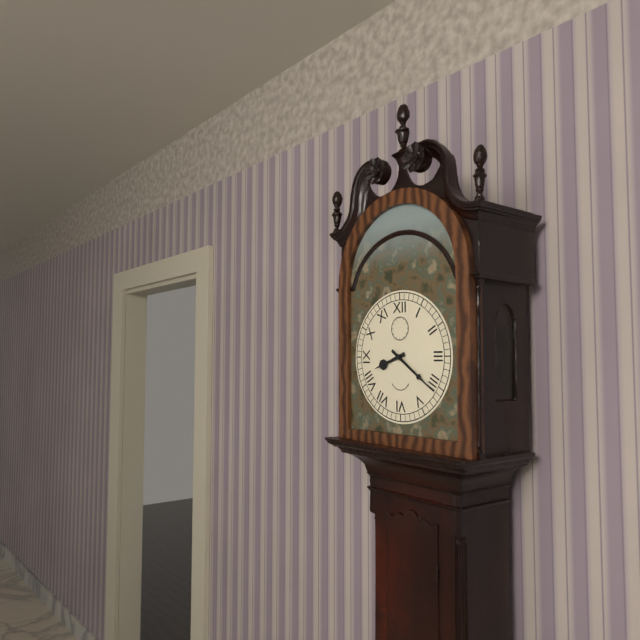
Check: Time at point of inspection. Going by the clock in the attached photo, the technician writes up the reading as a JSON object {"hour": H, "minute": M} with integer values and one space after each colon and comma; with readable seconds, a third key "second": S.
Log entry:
{"hour": 8, "minute": 21}
